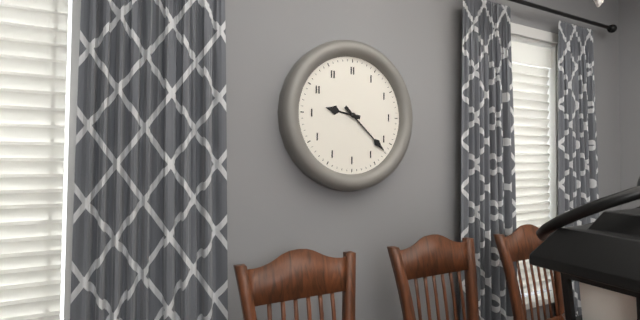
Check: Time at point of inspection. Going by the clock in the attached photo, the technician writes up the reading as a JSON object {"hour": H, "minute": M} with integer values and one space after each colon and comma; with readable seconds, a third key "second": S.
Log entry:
{"hour": 9, "minute": 22}
